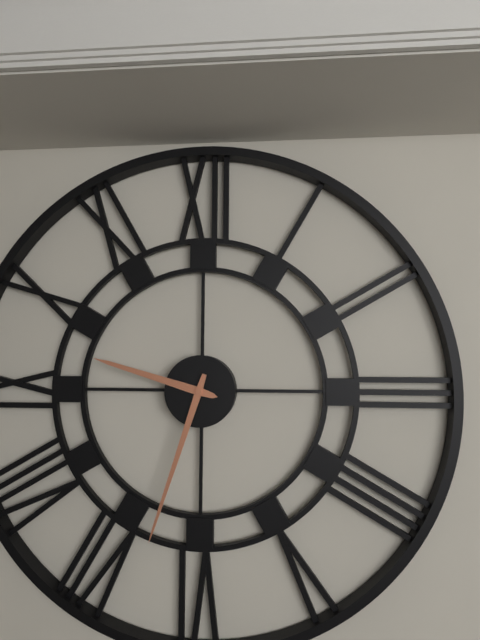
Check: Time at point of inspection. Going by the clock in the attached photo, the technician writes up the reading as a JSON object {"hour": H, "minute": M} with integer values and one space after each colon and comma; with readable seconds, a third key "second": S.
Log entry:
{"hour": 9, "minute": 33}
